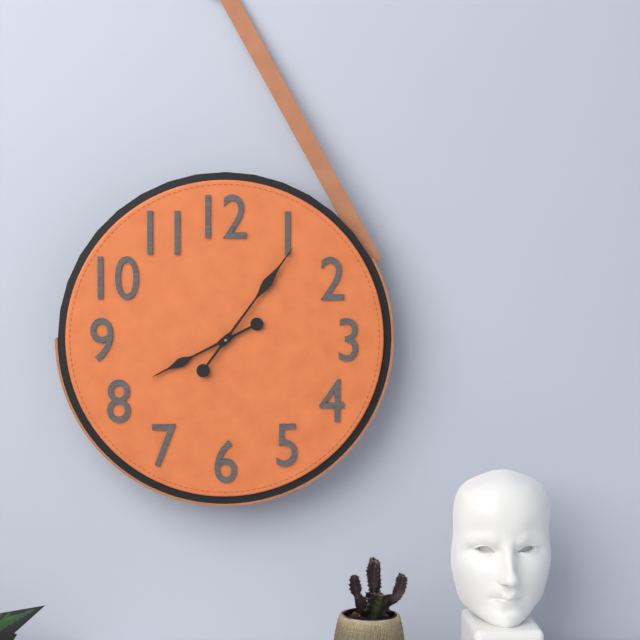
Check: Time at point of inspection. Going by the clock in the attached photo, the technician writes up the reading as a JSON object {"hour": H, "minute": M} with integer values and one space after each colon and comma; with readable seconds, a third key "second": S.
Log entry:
{"hour": 8, "minute": 6}
